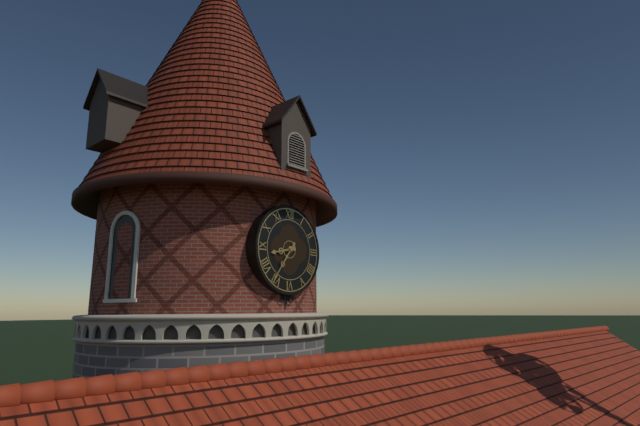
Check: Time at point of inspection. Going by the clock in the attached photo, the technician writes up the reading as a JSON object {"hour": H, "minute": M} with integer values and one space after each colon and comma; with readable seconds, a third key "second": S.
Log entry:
{"hour": 8, "minute": 36}
